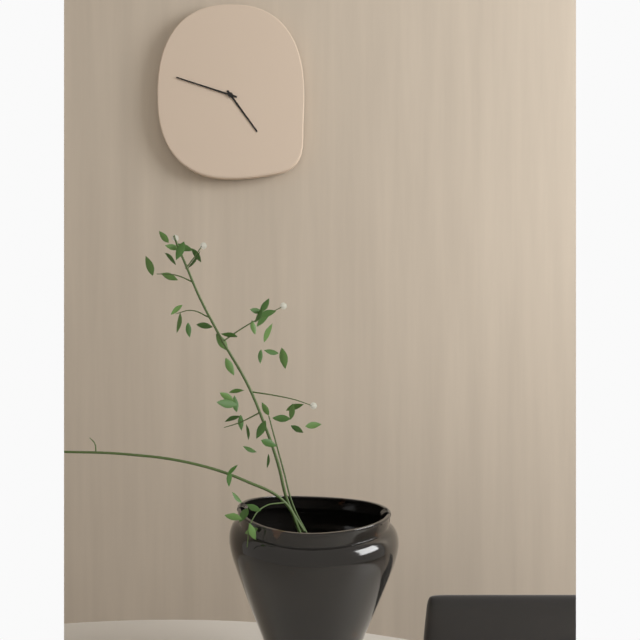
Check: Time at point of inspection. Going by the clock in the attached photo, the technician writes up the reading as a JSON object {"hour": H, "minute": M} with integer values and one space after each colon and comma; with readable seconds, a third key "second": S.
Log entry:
{"hour": 4, "minute": 48}
